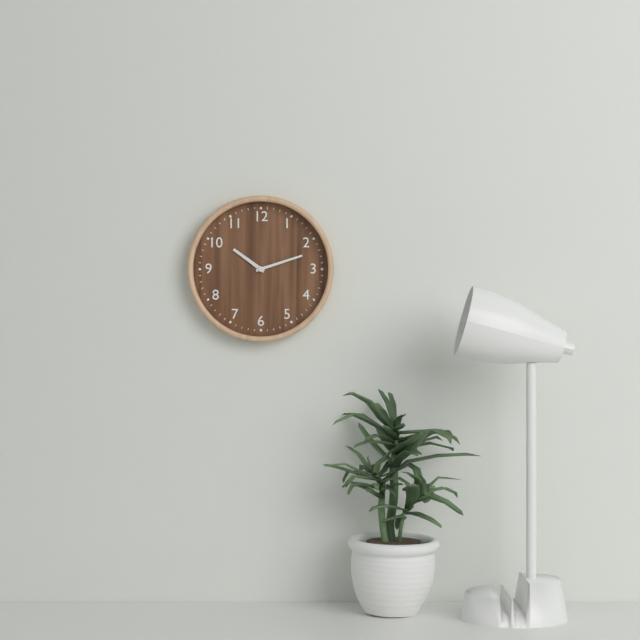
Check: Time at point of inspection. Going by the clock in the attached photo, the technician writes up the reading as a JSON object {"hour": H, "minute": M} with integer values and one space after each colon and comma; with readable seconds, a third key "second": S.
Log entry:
{"hour": 10, "minute": 12}
